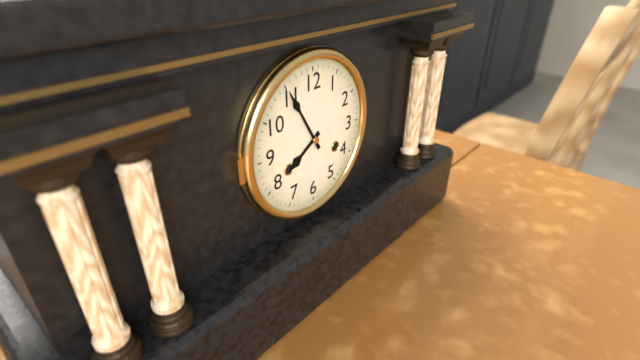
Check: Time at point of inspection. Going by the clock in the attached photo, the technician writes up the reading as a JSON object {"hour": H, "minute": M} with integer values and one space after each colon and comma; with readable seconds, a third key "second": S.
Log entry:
{"hour": 7, "minute": 55}
